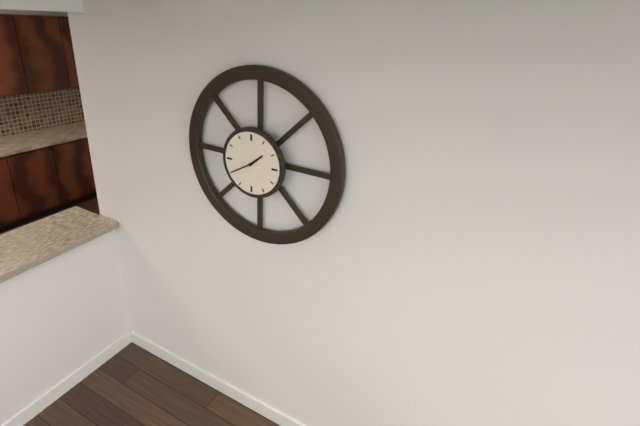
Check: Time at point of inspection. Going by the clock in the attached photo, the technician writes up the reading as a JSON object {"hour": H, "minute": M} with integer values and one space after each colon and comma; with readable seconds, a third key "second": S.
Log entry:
{"hour": 1, "minute": 40}
